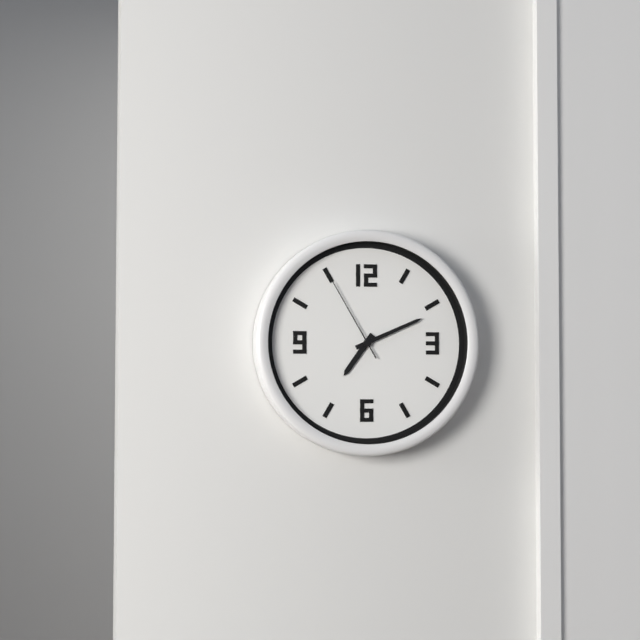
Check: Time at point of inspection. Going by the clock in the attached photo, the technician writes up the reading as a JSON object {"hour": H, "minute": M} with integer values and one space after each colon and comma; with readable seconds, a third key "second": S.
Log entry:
{"hour": 7, "minute": 11, "second": 55}
